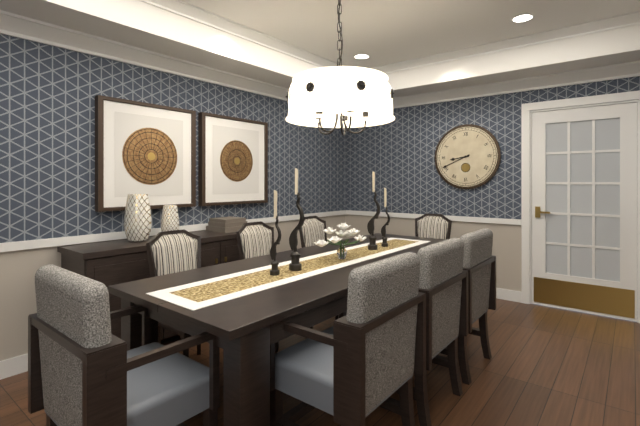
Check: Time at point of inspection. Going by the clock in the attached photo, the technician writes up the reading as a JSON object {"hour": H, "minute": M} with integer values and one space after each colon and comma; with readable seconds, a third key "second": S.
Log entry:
{"hour": 8, "minute": 41}
